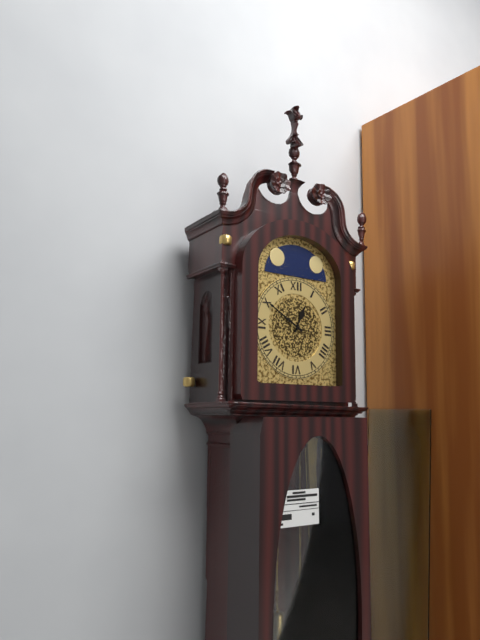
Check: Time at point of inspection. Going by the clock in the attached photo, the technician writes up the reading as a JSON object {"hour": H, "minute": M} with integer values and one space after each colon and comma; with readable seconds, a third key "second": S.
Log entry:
{"hour": 12, "minute": 50}
